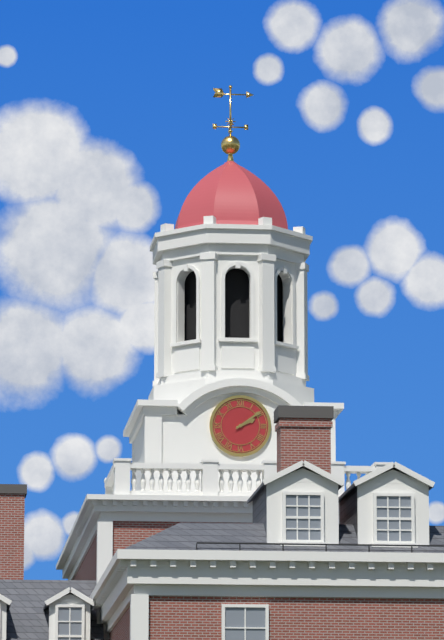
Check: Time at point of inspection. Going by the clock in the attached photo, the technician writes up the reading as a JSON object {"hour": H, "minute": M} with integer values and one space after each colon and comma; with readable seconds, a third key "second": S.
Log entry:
{"hour": 2, "minute": 9}
